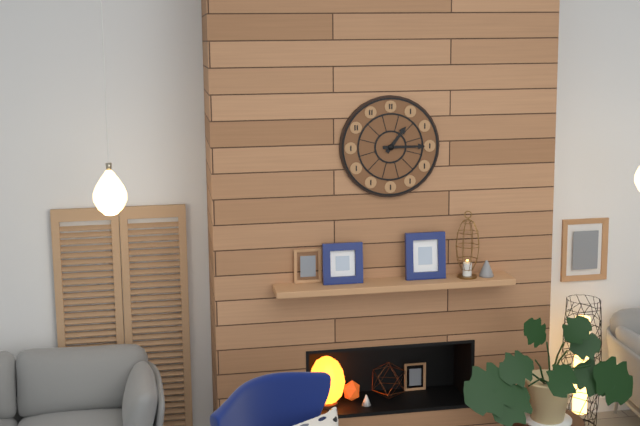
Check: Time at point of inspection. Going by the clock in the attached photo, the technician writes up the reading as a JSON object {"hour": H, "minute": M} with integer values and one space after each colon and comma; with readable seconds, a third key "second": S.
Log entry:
{"hour": 1, "minute": 15}
